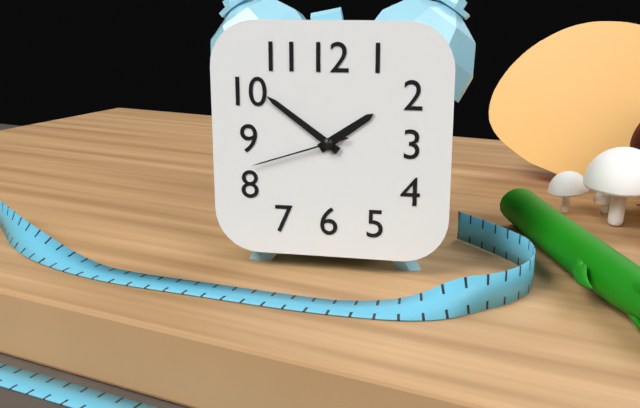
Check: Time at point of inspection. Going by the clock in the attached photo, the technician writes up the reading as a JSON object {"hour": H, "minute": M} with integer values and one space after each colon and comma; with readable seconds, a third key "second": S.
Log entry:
{"hour": 1, "minute": 51, "second": 42}
